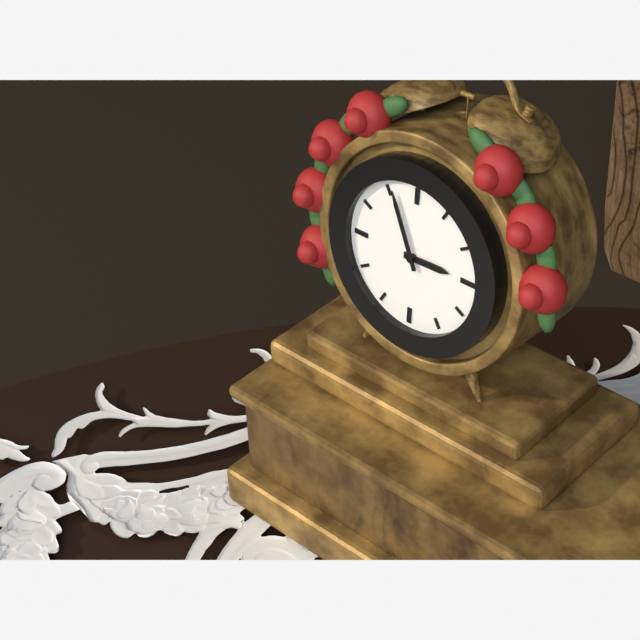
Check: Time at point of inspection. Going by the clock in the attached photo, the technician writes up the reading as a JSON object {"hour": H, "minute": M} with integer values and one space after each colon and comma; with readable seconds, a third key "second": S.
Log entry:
{"hour": 2, "minute": 56}
